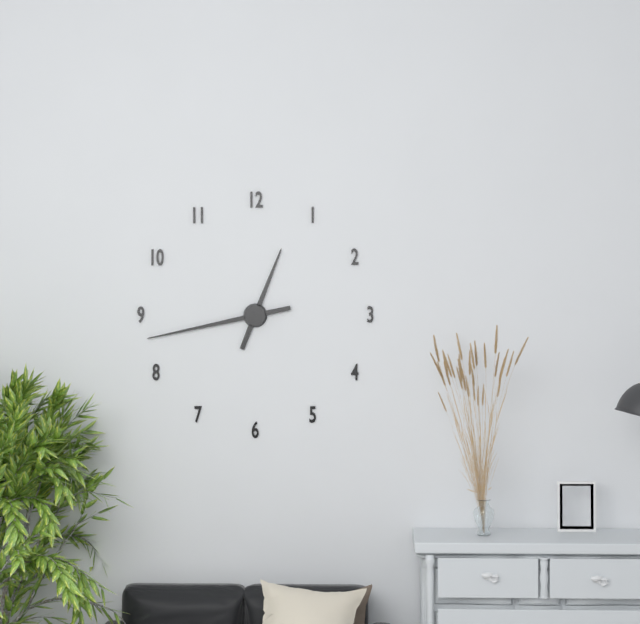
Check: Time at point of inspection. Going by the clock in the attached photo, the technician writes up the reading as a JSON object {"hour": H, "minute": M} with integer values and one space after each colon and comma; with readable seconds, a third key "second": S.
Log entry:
{"hour": 12, "minute": 43}
